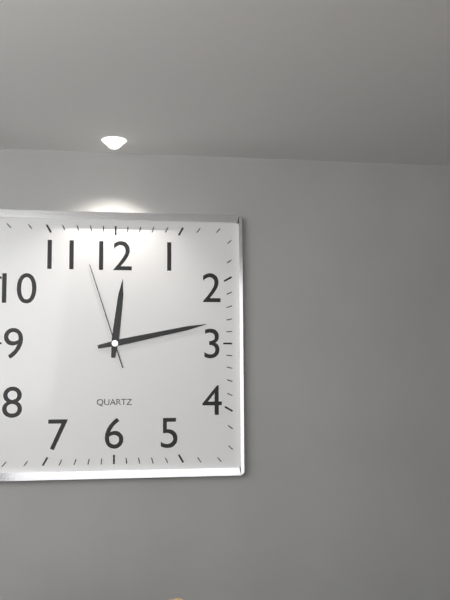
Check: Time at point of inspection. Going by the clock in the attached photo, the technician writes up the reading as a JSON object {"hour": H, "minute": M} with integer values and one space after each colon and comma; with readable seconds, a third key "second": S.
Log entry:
{"hour": 12, "minute": 13, "second": 57}
